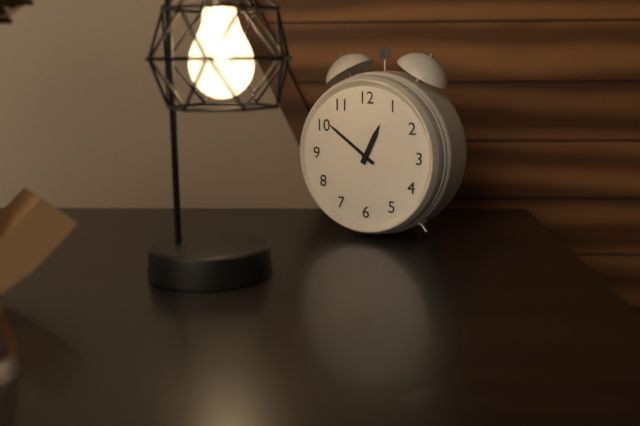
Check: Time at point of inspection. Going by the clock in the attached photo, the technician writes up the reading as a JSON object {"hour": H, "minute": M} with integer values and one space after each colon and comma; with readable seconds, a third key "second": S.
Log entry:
{"hour": 12, "minute": 51}
